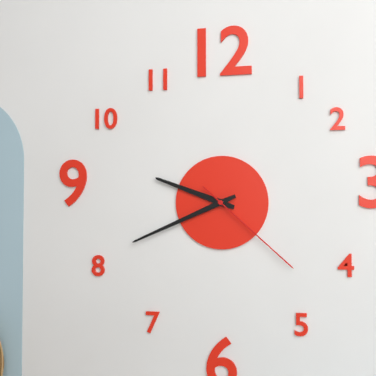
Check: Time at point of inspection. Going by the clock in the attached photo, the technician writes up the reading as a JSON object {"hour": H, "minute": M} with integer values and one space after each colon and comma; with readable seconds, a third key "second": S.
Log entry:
{"hour": 9, "minute": 41, "second": 22}
